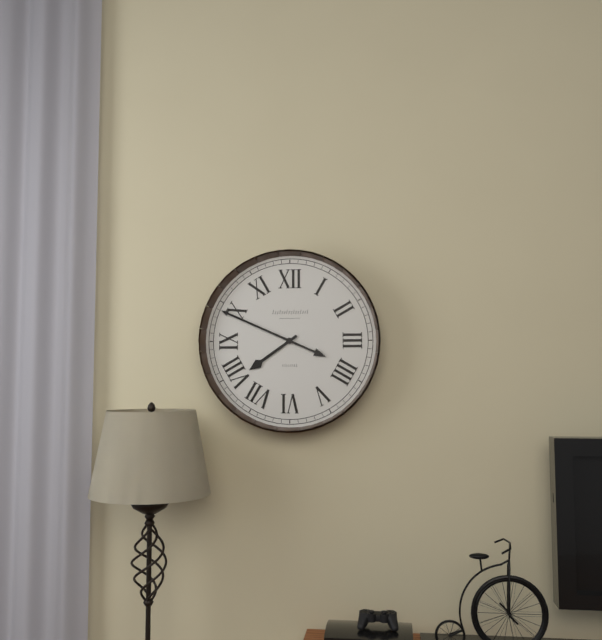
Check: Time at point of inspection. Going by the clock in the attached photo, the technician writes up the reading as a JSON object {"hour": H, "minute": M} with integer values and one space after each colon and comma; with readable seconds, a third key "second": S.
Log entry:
{"hour": 7, "minute": 49}
